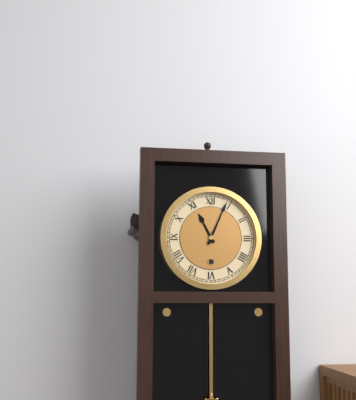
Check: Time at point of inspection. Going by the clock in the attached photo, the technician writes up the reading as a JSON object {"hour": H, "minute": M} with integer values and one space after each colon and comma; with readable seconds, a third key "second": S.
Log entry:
{"hour": 11, "minute": 4}
